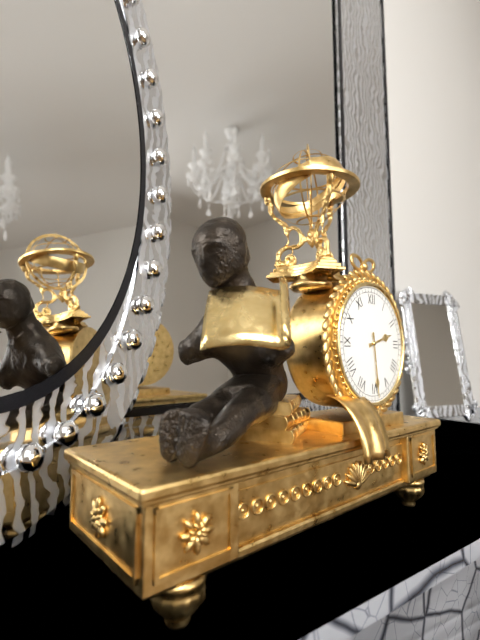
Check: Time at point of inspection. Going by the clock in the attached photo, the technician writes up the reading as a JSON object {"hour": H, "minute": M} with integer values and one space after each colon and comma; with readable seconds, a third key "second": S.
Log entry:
{"hour": 2, "minute": 29}
